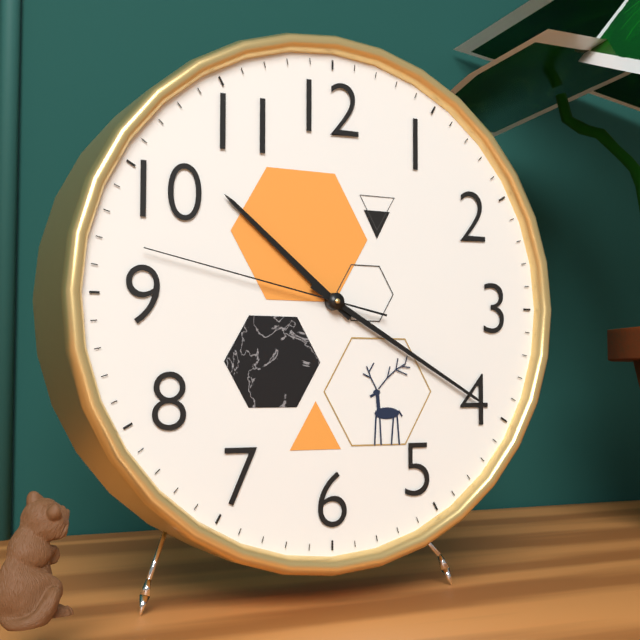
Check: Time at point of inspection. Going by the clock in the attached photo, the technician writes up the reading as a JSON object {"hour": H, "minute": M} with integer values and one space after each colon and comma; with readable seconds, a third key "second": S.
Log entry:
{"hour": 10, "minute": 20, "second": 47}
